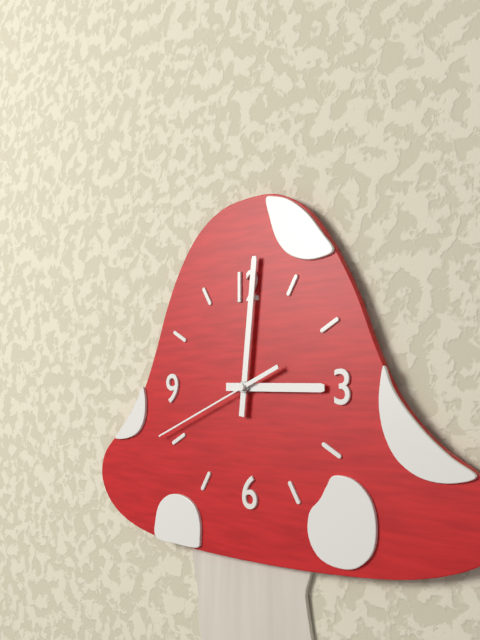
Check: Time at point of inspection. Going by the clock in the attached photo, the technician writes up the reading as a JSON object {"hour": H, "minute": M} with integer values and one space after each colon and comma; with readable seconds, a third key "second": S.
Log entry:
{"hour": 3, "minute": 1, "second": 41}
